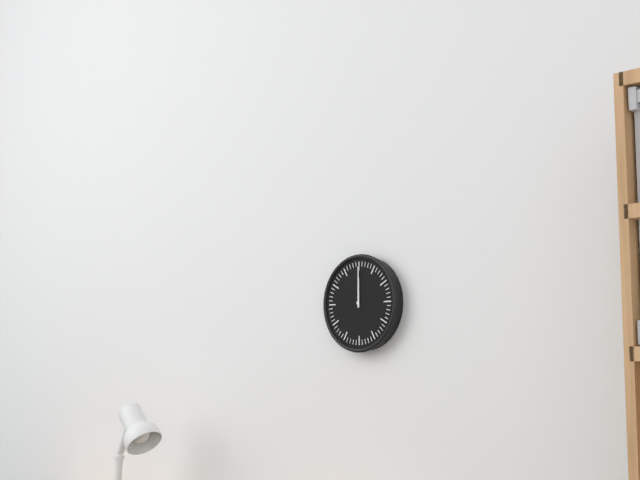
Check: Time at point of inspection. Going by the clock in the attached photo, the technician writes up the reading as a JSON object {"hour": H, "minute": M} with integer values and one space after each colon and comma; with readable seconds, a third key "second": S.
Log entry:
{"hour": 12, "minute": 0}
